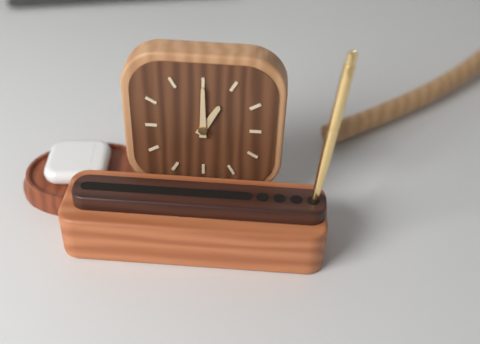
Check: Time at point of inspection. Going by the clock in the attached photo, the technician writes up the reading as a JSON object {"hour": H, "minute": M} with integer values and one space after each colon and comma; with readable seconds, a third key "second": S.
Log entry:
{"hour": 1, "minute": 0}
